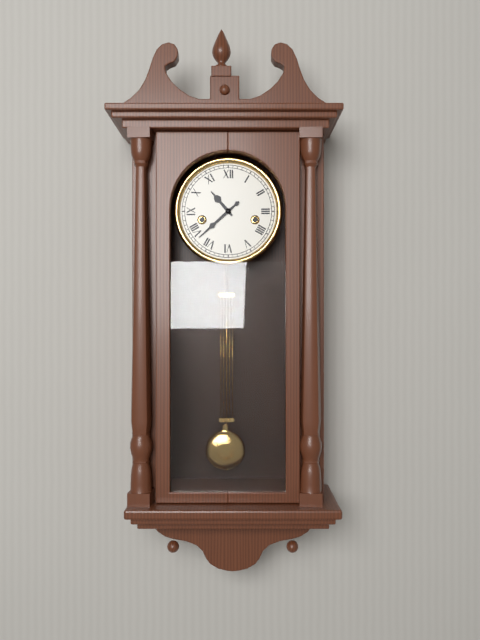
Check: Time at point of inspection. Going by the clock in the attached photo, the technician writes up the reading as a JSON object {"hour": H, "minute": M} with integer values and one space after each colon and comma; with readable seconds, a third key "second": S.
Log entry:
{"hour": 10, "minute": 38}
